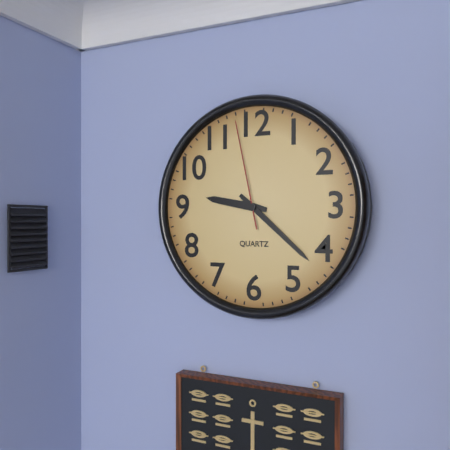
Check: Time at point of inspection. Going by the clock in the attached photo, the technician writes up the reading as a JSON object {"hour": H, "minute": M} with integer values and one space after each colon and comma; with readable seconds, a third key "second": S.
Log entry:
{"hour": 9, "minute": 22, "second": 58}
